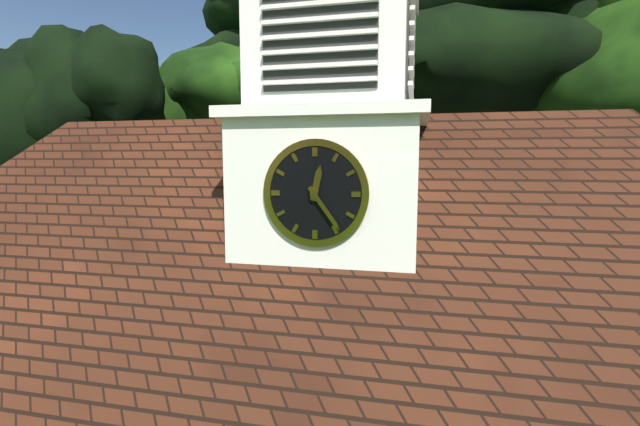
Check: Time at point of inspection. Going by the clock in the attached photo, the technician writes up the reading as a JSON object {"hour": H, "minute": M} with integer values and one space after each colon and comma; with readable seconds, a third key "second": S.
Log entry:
{"hour": 12, "minute": 24}
